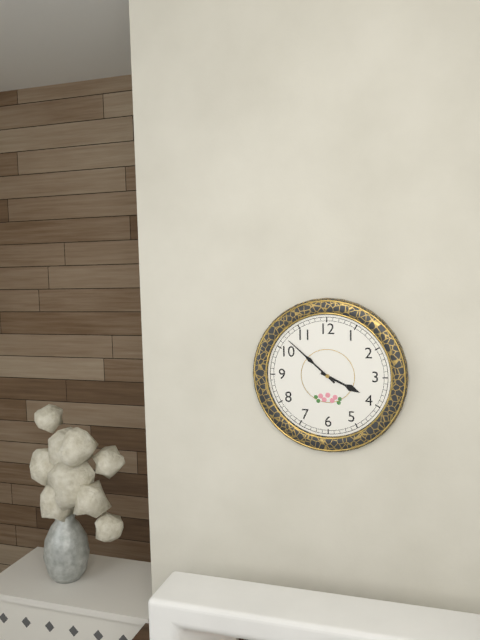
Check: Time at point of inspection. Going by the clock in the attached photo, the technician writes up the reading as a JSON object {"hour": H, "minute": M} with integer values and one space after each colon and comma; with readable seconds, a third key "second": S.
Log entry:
{"hour": 3, "minute": 52}
